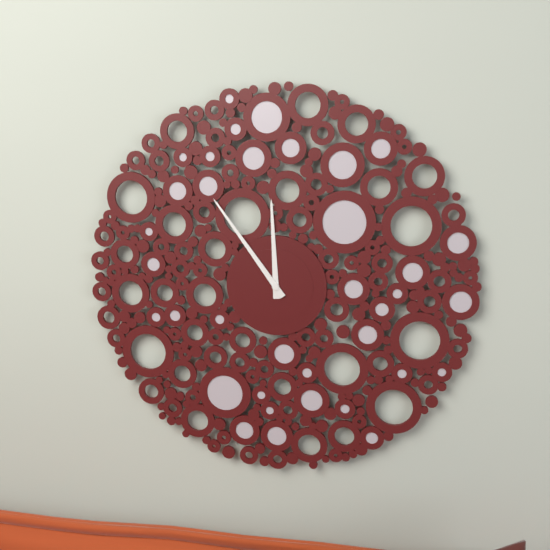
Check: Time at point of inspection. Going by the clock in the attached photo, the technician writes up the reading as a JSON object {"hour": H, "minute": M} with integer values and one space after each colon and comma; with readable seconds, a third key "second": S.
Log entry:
{"hour": 11, "minute": 54}
